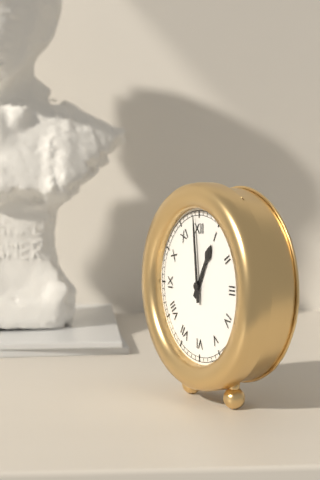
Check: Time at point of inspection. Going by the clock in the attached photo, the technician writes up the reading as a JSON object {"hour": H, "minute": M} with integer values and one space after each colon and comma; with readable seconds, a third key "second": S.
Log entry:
{"hour": 12, "minute": 59}
